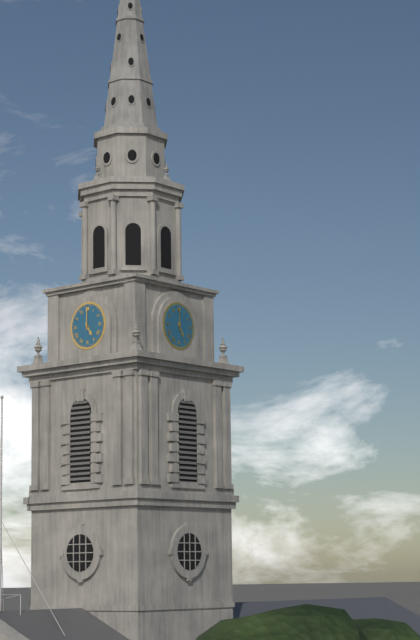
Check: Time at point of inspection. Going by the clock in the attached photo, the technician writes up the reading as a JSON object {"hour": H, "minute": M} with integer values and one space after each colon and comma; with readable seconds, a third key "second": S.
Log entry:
{"hour": 5, "minute": 0}
